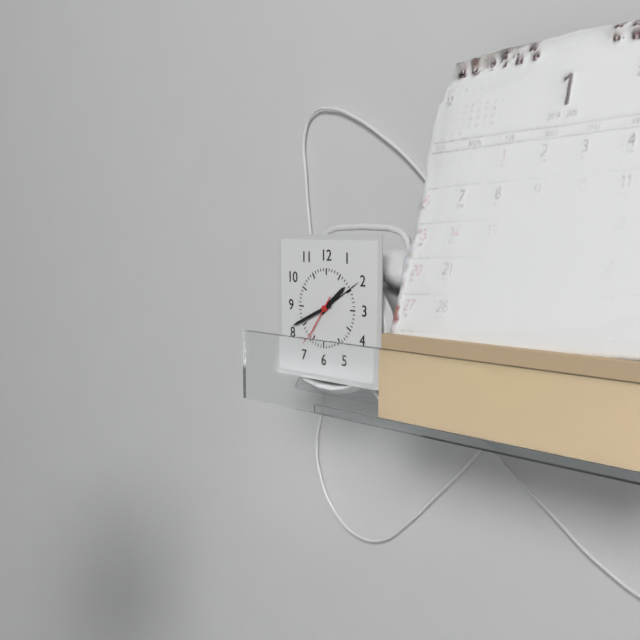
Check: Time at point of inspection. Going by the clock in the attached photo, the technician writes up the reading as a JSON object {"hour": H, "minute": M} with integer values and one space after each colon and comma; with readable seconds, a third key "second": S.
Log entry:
{"hour": 1, "minute": 41, "second": 36}
